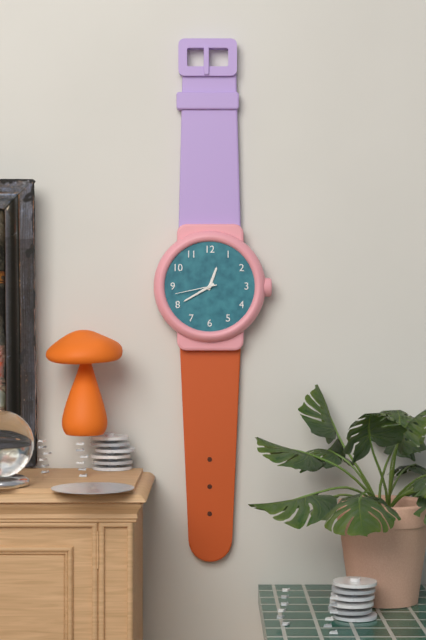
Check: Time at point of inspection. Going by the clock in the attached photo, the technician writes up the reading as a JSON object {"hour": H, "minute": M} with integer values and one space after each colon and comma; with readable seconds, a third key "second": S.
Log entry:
{"hour": 12, "minute": 40}
